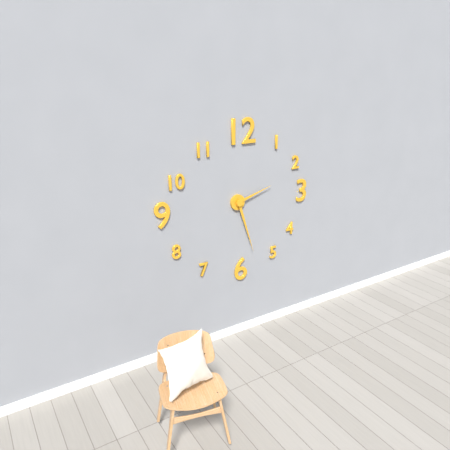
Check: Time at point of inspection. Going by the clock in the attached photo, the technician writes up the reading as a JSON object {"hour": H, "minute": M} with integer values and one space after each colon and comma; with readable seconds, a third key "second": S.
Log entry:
{"hour": 2, "minute": 27}
